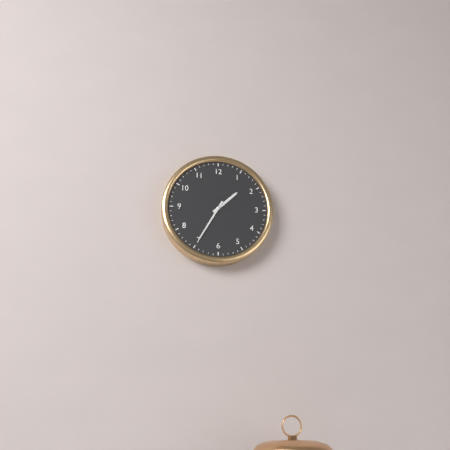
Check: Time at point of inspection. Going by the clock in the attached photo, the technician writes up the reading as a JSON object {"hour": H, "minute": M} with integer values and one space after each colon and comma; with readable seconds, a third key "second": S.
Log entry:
{"hour": 1, "minute": 35}
